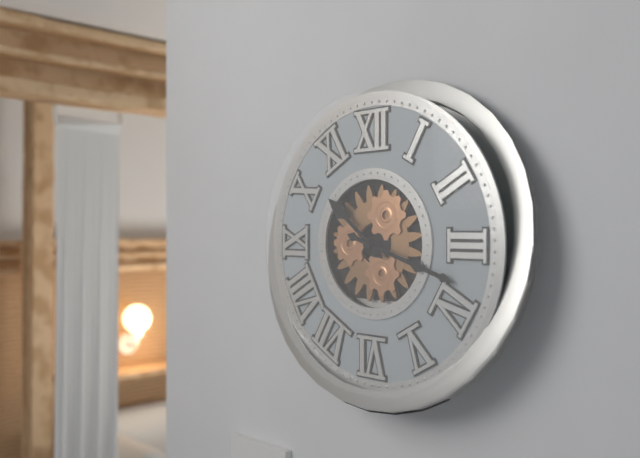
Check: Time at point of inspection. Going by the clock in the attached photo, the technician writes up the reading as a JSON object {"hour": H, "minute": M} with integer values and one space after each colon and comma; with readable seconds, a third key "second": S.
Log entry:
{"hour": 10, "minute": 18}
